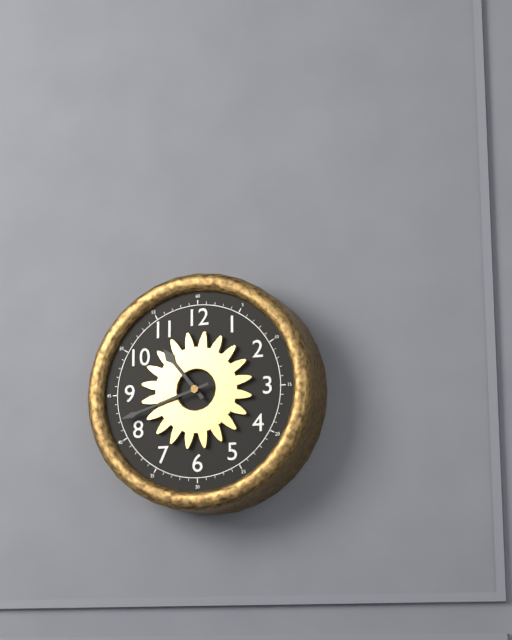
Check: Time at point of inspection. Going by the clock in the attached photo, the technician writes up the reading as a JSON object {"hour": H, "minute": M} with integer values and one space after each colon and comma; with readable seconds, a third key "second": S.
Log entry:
{"hour": 10, "minute": 42}
